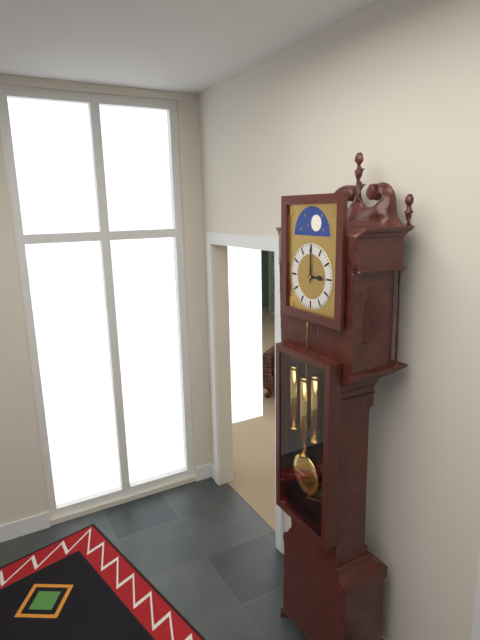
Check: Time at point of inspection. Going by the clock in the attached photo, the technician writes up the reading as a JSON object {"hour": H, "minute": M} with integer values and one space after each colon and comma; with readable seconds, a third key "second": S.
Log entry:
{"hour": 3, "minute": 0}
